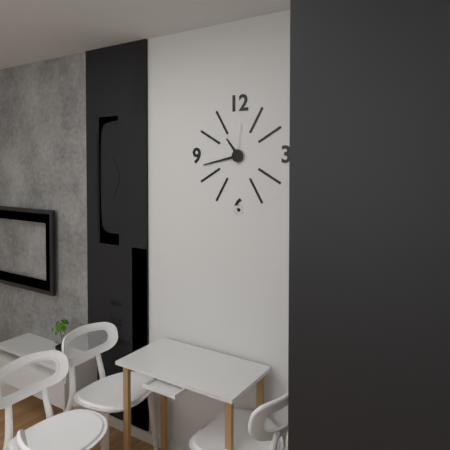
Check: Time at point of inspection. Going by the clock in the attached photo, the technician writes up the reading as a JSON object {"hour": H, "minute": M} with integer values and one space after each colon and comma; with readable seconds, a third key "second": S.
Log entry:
{"hour": 10, "minute": 43}
